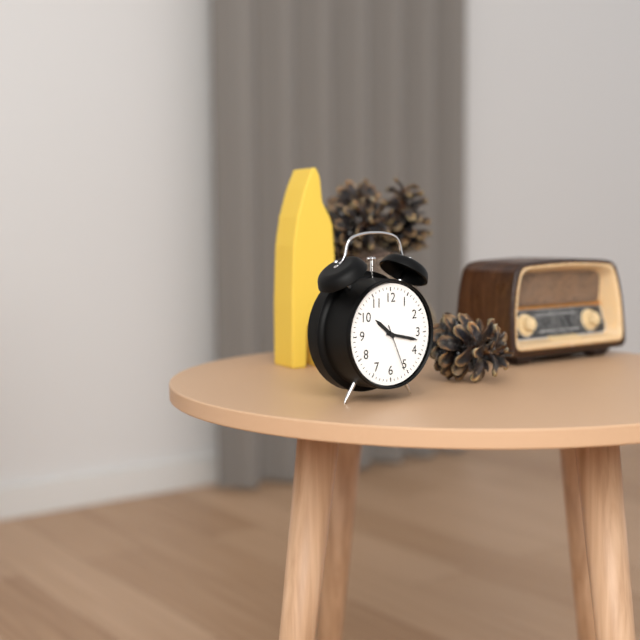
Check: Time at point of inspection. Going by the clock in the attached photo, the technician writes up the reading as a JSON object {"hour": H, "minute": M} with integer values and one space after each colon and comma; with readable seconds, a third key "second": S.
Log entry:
{"hour": 10, "minute": 17}
